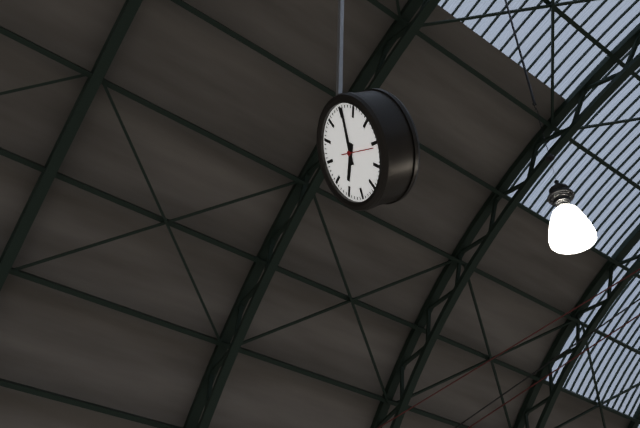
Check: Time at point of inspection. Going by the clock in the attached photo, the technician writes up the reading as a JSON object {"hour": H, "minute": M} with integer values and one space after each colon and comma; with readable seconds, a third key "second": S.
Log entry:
{"hour": 8, "minute": 6}
